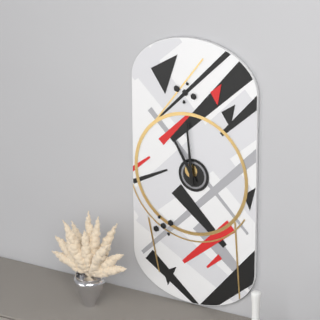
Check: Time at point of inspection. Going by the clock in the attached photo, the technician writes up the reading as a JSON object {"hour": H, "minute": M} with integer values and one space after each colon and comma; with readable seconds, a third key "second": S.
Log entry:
{"hour": 10, "minute": 59}
